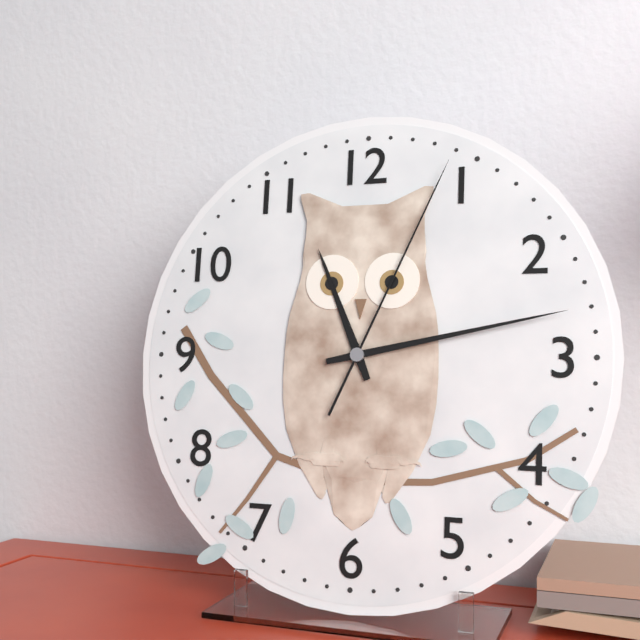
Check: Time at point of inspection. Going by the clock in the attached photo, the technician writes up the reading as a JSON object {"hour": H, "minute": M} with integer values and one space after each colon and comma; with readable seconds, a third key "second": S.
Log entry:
{"hour": 11, "minute": 13, "second": 4}
